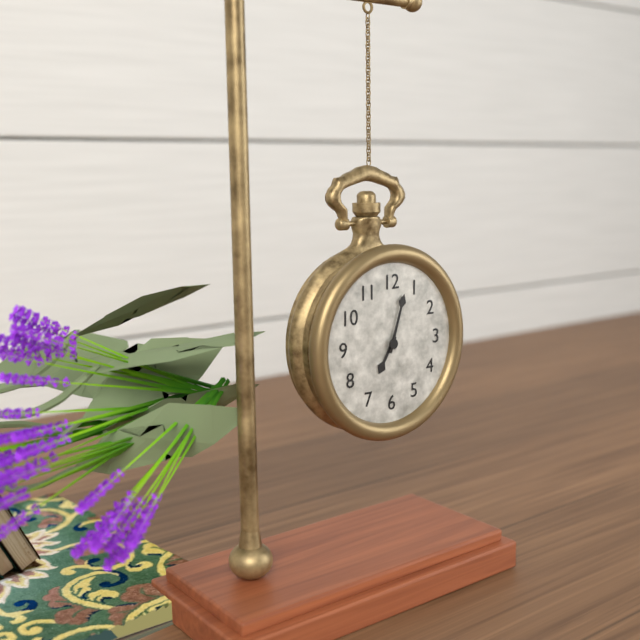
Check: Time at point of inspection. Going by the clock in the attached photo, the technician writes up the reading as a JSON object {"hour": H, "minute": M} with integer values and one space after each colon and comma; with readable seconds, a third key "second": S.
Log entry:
{"hour": 7, "minute": 3}
